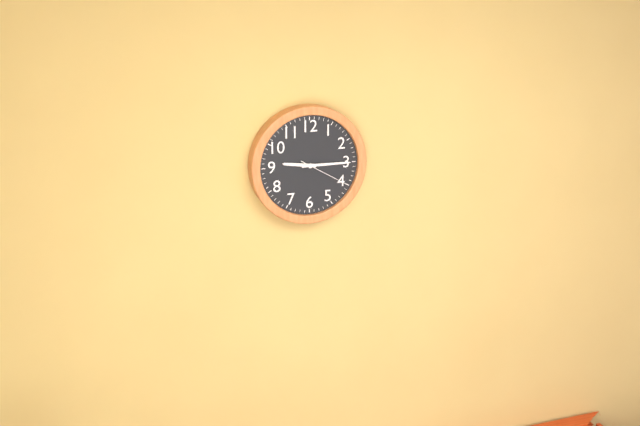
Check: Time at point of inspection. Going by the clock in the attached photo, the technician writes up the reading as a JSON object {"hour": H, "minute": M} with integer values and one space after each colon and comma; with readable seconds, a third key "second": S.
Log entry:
{"hour": 9, "minute": 15, "second": 20}
